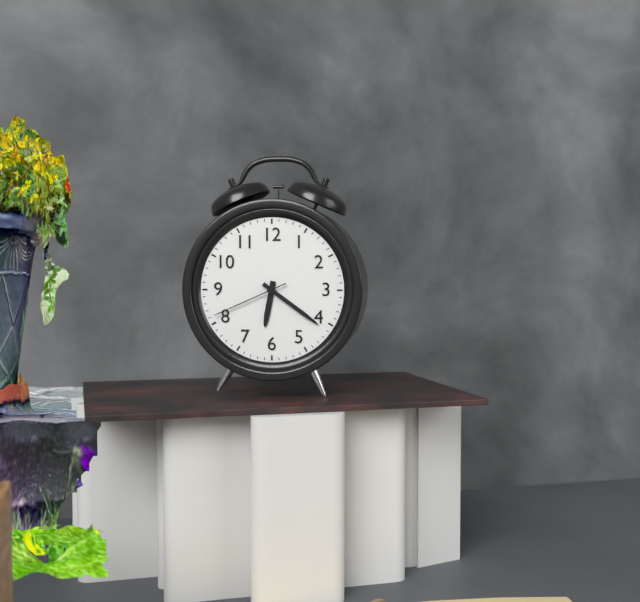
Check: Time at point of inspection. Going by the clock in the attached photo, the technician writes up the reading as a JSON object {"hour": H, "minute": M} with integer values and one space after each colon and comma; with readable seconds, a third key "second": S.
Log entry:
{"hour": 6, "minute": 21, "second": 41}
